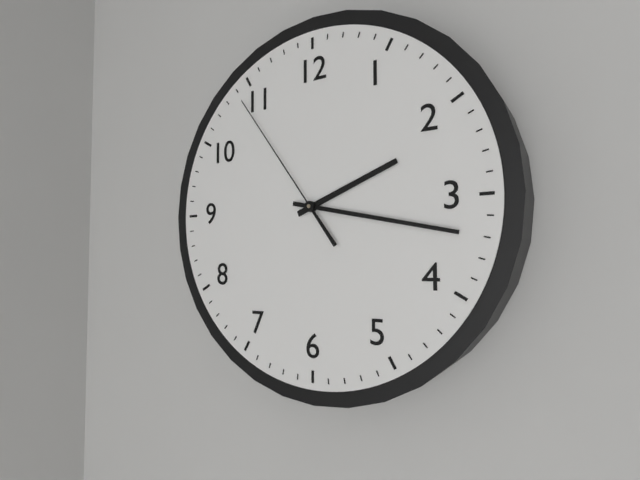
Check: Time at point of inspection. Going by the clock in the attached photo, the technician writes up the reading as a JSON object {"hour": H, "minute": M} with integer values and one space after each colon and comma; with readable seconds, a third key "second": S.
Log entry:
{"hour": 2, "minute": 17, "second": 54}
